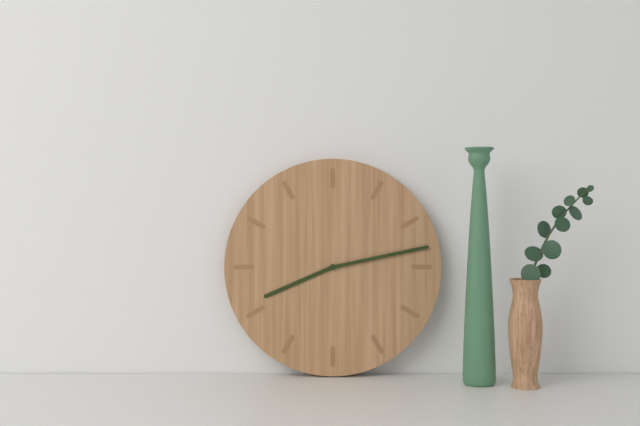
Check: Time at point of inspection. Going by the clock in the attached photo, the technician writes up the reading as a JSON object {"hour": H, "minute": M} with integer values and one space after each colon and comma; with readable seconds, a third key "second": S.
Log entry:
{"hour": 8, "minute": 13}
